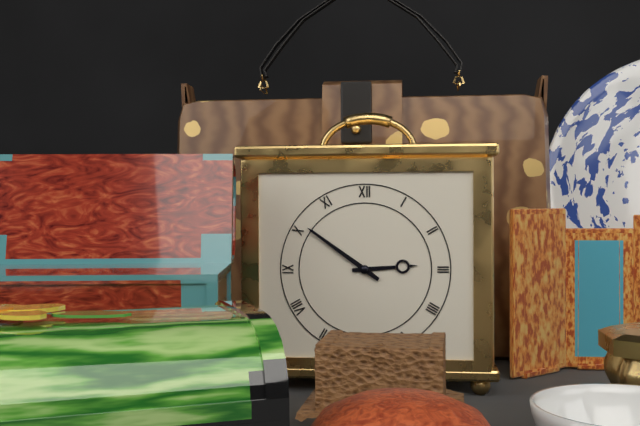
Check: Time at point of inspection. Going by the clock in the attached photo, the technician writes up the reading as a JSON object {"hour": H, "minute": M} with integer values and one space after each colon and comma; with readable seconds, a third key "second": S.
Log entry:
{"hour": 2, "minute": 51}
